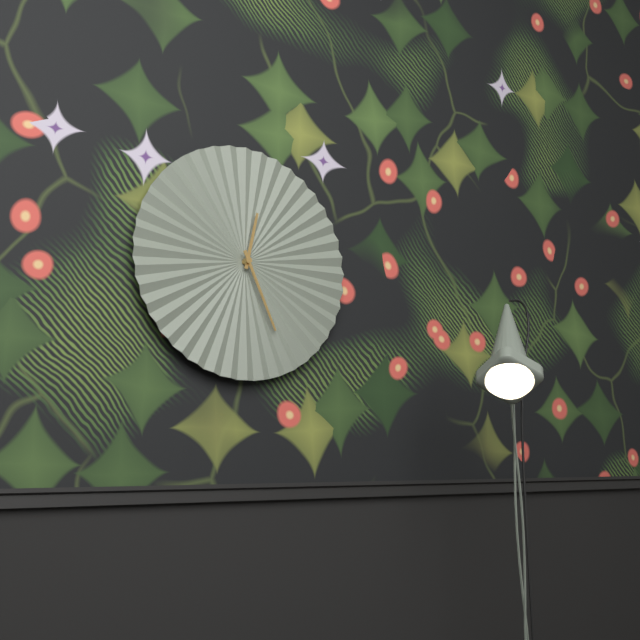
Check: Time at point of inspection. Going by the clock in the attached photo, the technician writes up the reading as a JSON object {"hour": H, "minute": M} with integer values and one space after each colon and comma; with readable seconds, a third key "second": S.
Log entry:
{"hour": 12, "minute": 26}
